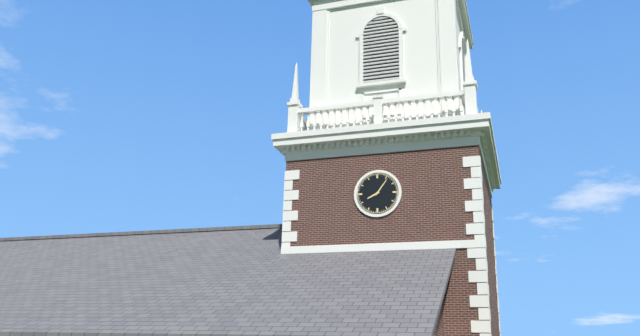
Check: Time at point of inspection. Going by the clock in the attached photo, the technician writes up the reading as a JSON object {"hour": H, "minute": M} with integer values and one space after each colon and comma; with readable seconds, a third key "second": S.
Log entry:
{"hour": 8, "minute": 6}
